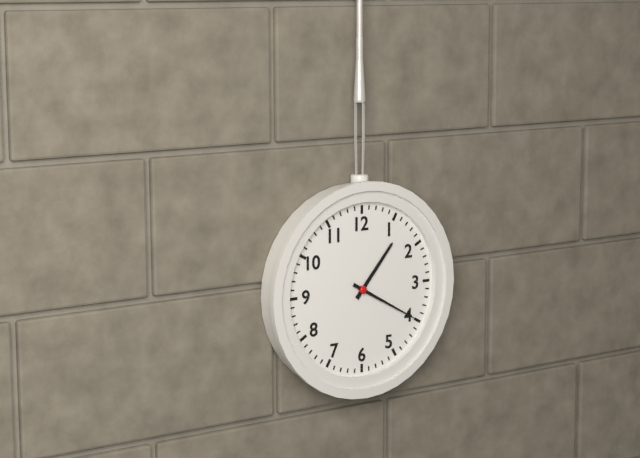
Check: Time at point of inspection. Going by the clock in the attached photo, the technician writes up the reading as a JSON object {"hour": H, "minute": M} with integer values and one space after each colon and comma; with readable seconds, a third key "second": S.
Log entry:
{"hour": 1, "minute": 20}
